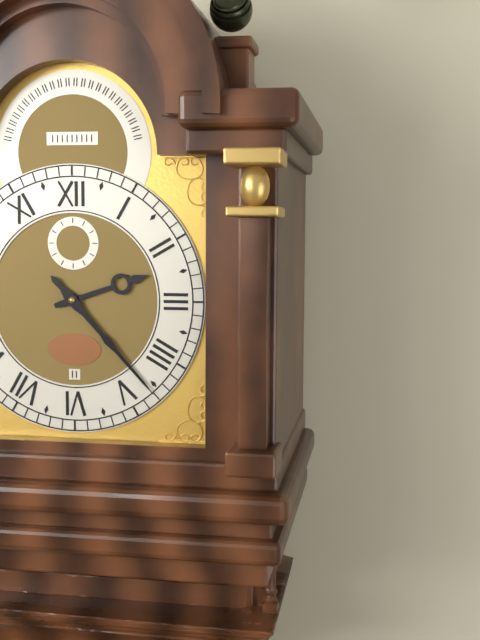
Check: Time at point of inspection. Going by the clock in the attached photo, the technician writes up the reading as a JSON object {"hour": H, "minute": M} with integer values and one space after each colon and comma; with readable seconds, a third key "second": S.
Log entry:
{"hour": 2, "minute": 23}
